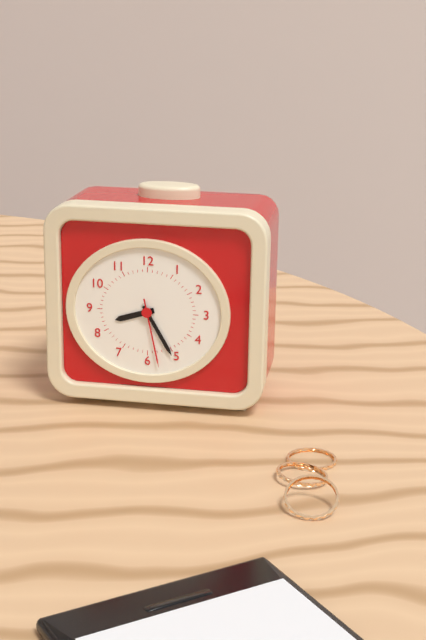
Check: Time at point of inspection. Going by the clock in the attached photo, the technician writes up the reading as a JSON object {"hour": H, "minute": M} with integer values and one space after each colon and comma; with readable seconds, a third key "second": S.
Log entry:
{"hour": 8, "minute": 25, "second": 28}
